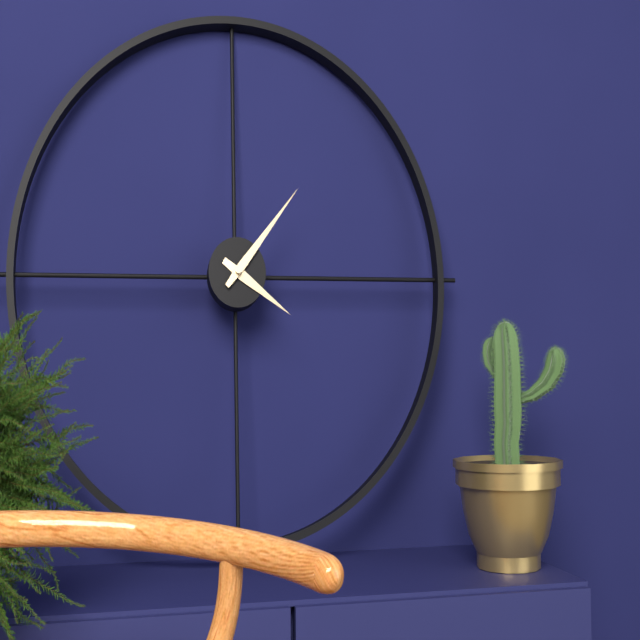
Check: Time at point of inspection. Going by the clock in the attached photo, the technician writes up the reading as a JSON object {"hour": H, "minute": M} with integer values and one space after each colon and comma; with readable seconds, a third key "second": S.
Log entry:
{"hour": 4, "minute": 7}
